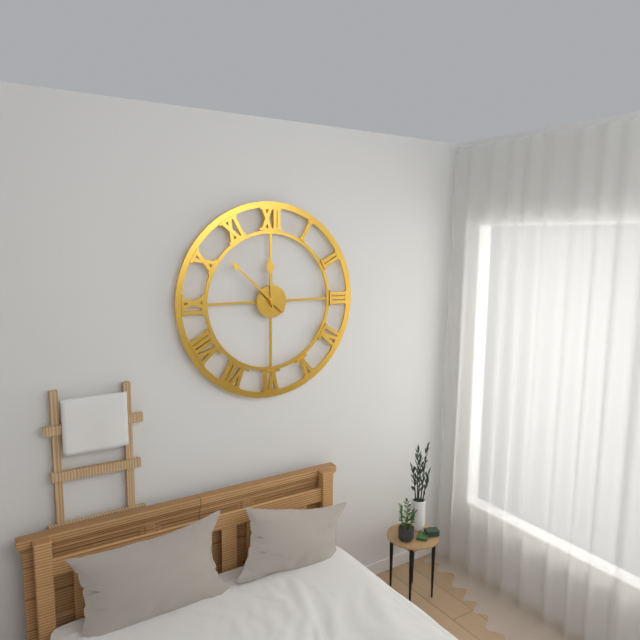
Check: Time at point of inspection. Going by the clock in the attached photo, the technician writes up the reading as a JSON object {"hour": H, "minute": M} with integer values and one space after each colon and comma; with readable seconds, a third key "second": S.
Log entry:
{"hour": 11, "minute": 52}
